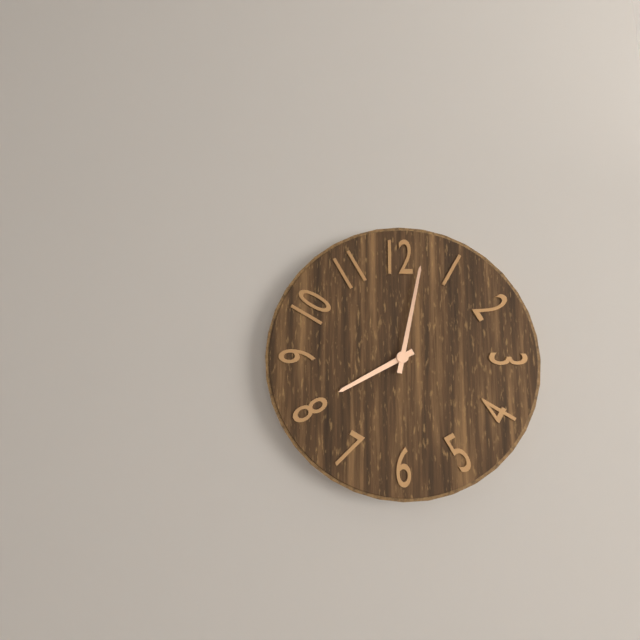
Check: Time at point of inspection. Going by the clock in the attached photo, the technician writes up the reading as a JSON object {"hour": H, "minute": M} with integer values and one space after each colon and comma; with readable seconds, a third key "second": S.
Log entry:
{"hour": 8, "minute": 2}
